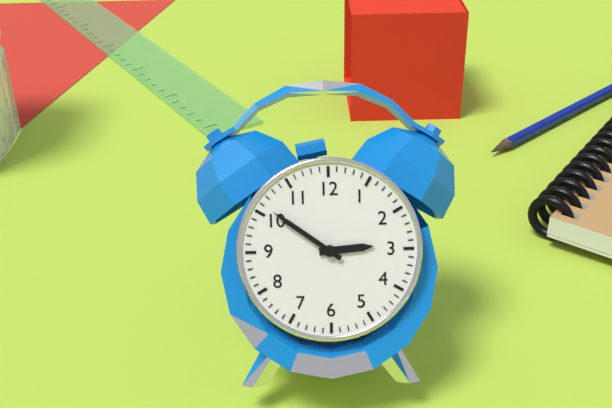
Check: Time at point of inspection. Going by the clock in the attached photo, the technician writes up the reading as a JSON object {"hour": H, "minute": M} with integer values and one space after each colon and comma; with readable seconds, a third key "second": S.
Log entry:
{"hour": 2, "minute": 51}
